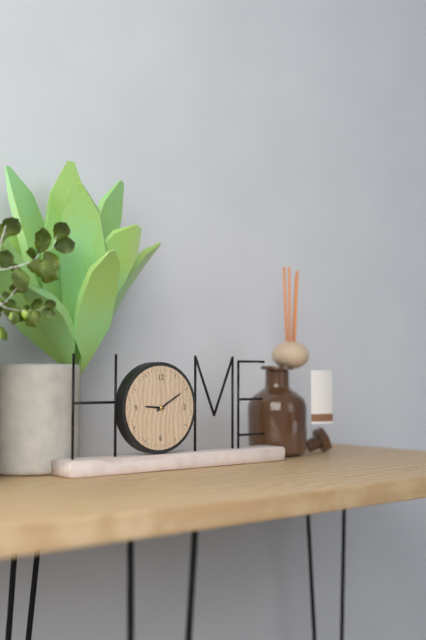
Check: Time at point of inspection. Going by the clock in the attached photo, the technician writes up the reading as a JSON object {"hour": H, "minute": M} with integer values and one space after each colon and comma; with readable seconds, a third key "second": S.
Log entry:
{"hour": 9, "minute": 10}
